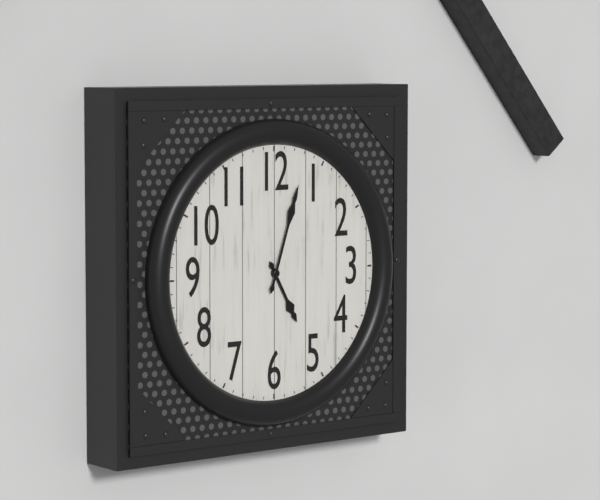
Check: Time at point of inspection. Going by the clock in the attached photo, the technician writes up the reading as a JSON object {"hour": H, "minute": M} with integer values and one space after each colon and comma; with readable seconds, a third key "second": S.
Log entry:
{"hour": 5, "minute": 3}
